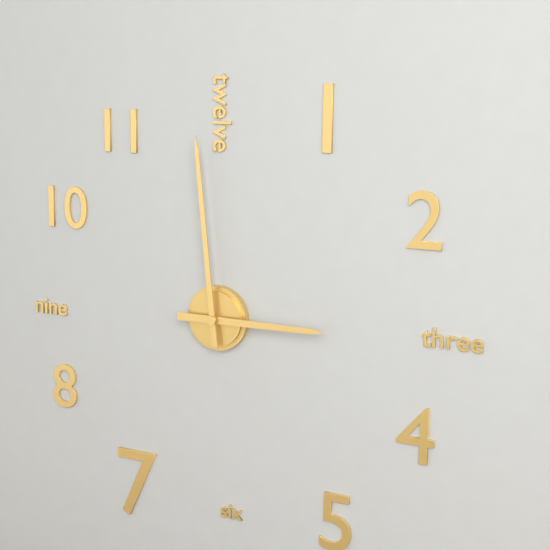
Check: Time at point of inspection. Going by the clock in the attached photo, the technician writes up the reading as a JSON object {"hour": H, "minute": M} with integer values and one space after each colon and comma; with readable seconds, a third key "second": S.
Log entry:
{"hour": 2, "minute": 59}
